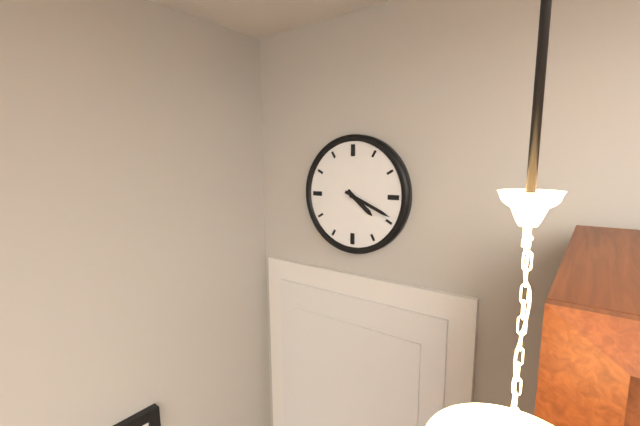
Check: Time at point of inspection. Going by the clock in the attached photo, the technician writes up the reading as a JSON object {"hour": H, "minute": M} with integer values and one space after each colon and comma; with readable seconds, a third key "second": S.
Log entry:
{"hour": 4, "minute": 19}
